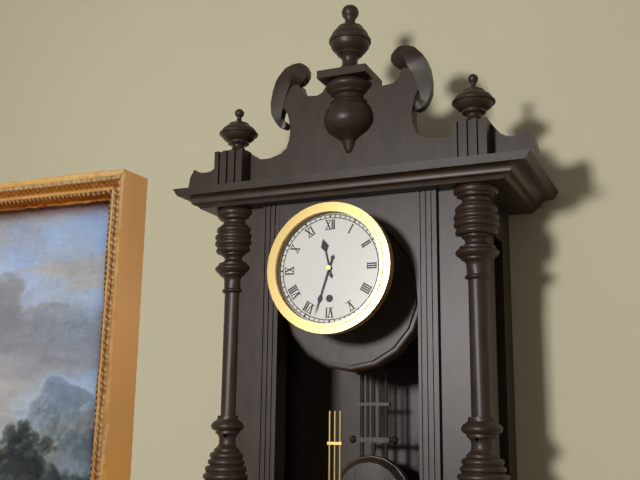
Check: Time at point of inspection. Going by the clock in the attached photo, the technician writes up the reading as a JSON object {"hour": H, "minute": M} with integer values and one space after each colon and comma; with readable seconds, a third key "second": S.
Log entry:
{"hour": 11, "minute": 33}
